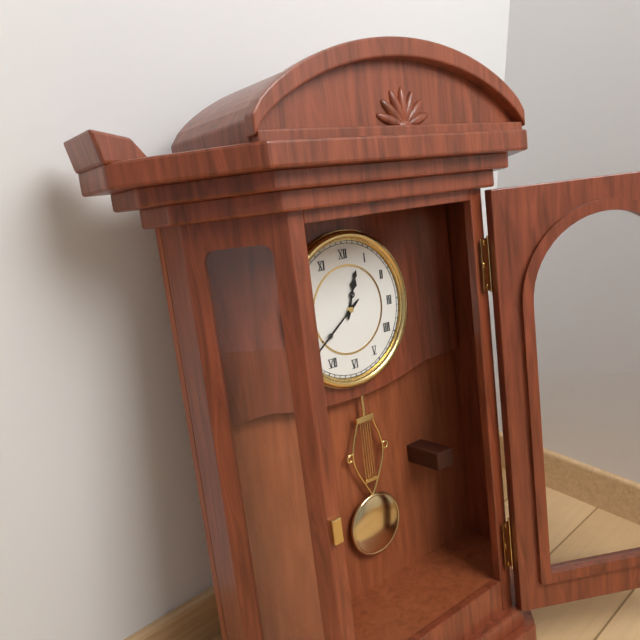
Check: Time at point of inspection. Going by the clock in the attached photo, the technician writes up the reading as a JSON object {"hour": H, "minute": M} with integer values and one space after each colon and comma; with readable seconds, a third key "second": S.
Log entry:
{"hour": 12, "minute": 39}
